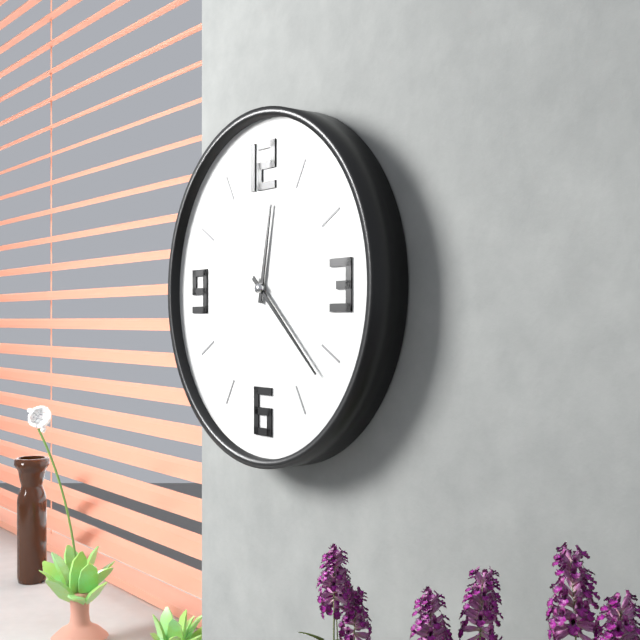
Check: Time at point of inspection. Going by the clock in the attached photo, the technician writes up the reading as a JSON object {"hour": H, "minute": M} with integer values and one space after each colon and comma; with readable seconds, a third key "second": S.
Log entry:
{"hour": 12, "minute": 22}
